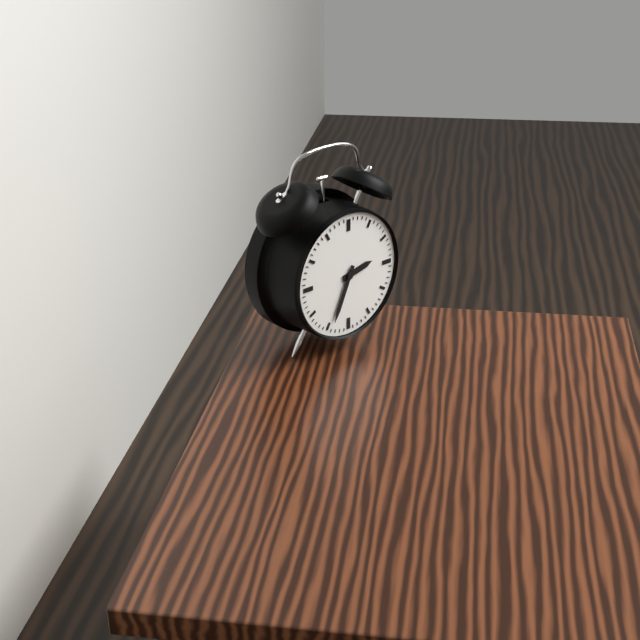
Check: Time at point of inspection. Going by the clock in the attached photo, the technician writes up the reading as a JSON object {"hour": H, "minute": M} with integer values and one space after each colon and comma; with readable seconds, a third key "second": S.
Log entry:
{"hour": 2, "minute": 34}
